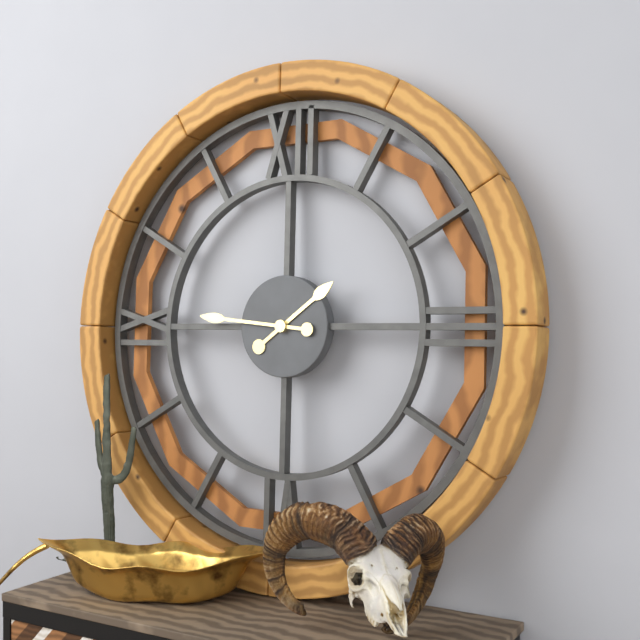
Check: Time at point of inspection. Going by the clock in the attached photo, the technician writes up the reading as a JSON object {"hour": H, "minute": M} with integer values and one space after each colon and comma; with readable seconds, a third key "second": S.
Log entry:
{"hour": 1, "minute": 46}
